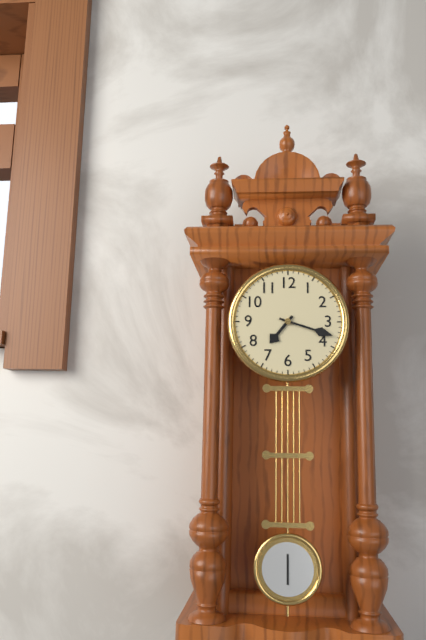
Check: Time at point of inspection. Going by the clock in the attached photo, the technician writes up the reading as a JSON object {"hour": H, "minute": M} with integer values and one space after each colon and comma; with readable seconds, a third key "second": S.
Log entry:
{"hour": 7, "minute": 18}
